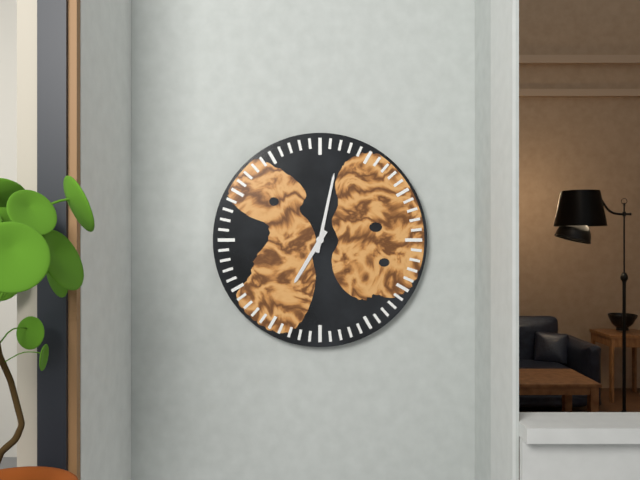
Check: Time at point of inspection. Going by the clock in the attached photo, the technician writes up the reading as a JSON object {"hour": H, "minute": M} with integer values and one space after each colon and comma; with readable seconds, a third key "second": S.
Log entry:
{"hour": 7, "minute": 2}
